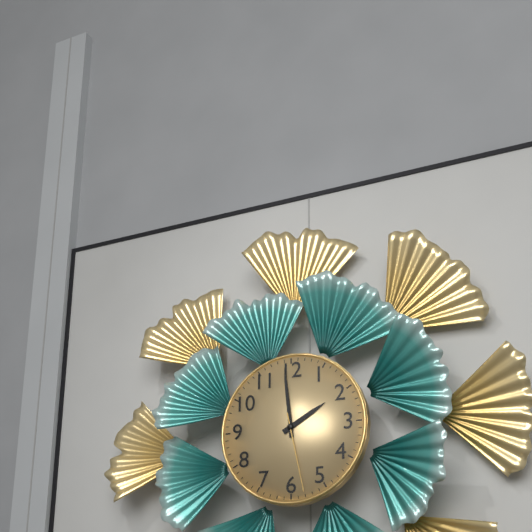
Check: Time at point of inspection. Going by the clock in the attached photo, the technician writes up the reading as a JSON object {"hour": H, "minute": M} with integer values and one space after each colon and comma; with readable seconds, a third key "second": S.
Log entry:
{"hour": 1, "minute": 59, "second": 28}
